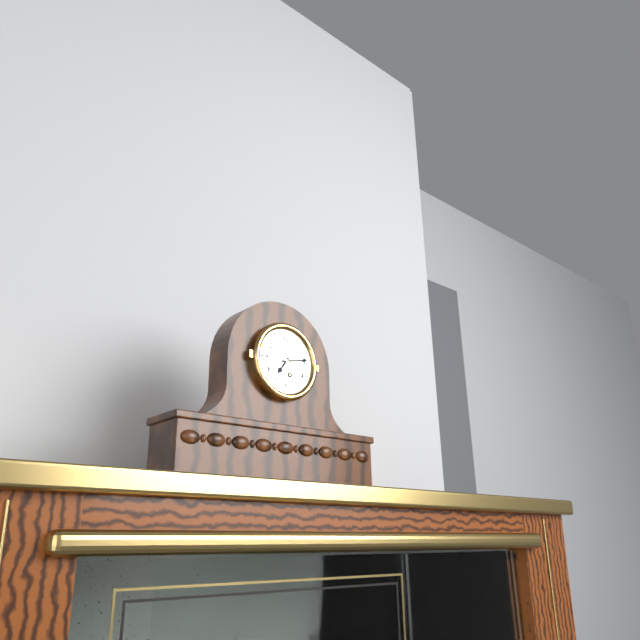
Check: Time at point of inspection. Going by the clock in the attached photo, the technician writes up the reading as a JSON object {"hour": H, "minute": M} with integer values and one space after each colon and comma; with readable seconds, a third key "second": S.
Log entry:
{"hour": 7, "minute": 13}
